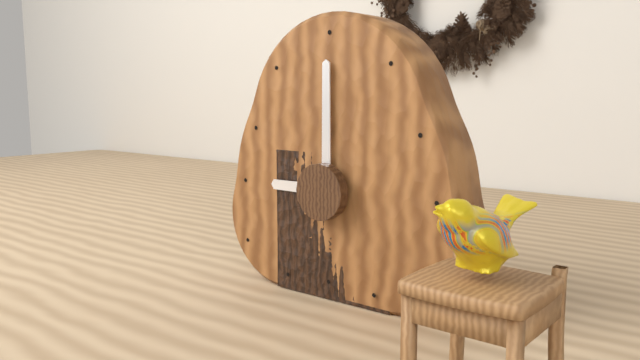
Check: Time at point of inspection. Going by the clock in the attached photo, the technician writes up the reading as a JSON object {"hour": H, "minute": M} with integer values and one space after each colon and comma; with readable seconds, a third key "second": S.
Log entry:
{"hour": 9, "minute": 0}
